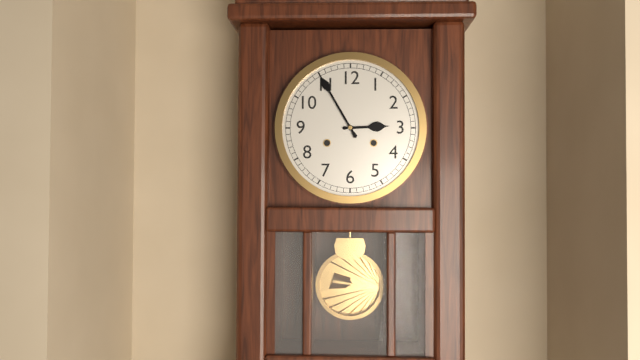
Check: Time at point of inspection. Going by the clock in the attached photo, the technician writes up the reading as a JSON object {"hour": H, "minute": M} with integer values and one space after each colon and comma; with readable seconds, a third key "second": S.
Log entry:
{"hour": 2, "minute": 55}
